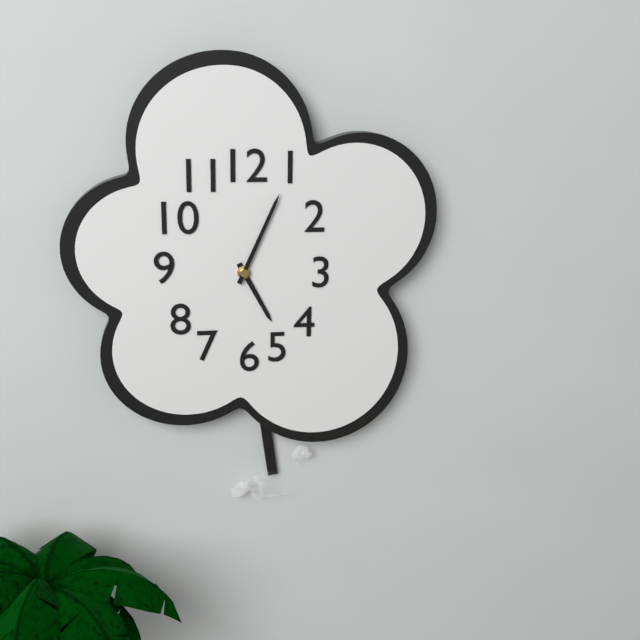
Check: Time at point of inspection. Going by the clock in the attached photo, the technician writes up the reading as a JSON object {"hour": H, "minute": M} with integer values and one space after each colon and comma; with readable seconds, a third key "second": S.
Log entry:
{"hour": 5, "minute": 4}
